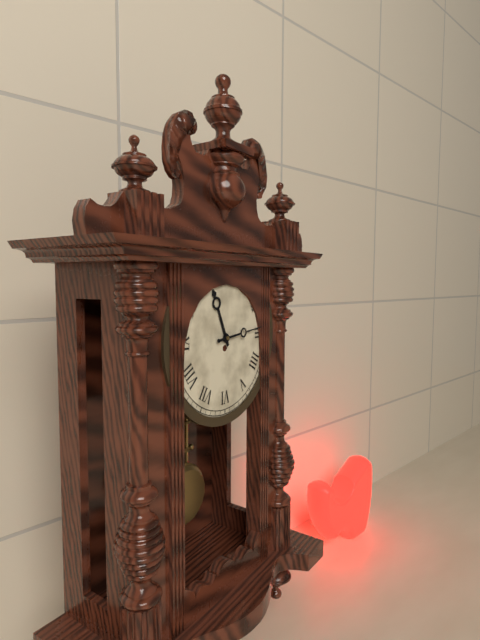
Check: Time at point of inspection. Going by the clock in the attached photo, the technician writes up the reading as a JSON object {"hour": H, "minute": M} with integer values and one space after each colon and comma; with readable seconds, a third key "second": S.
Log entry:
{"hour": 11, "minute": 14}
